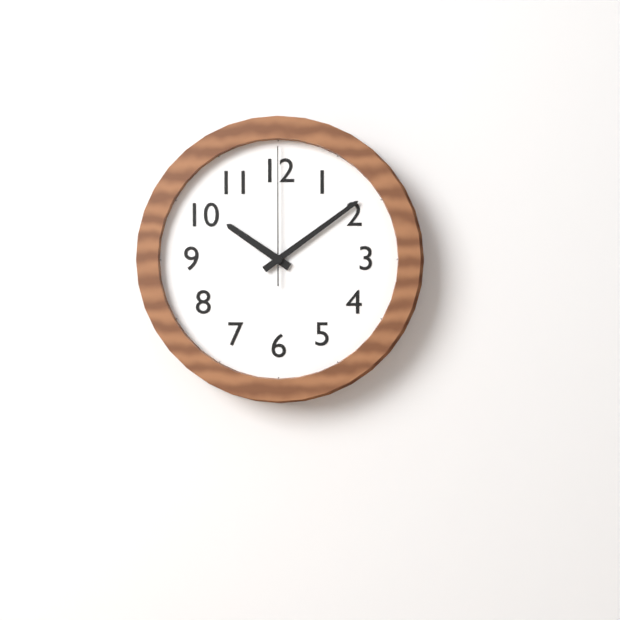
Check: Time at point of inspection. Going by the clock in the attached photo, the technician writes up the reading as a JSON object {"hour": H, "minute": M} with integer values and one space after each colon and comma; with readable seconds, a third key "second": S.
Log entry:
{"hour": 10, "minute": 9, "second": 0}
